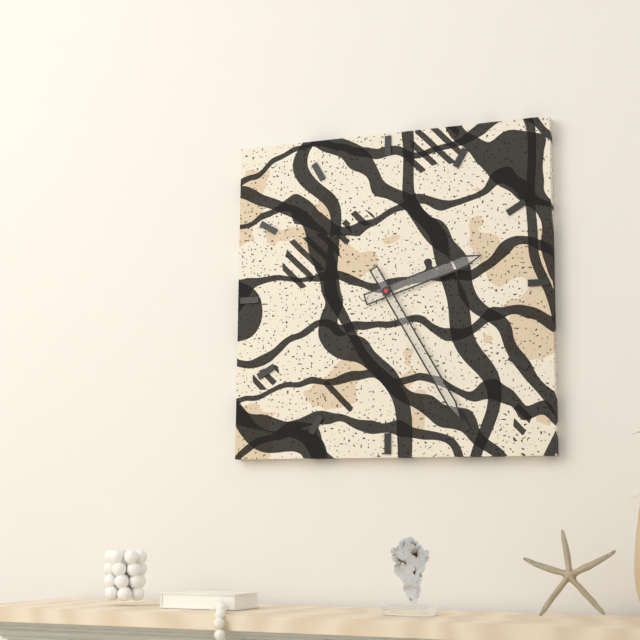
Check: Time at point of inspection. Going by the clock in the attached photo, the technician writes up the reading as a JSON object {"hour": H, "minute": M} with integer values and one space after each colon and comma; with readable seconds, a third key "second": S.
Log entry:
{"hour": 2, "minute": 25}
